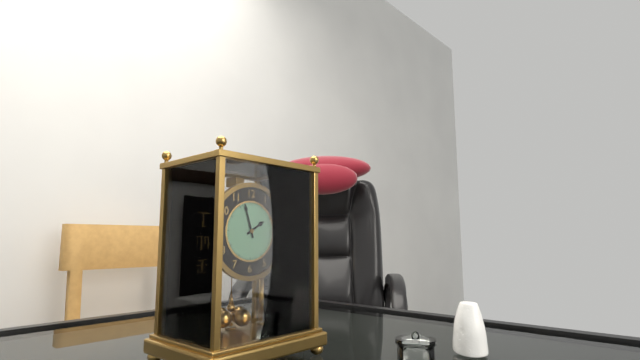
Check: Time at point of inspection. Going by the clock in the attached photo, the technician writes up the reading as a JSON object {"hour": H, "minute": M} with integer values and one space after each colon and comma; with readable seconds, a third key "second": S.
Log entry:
{"hour": 1, "minute": 57}
